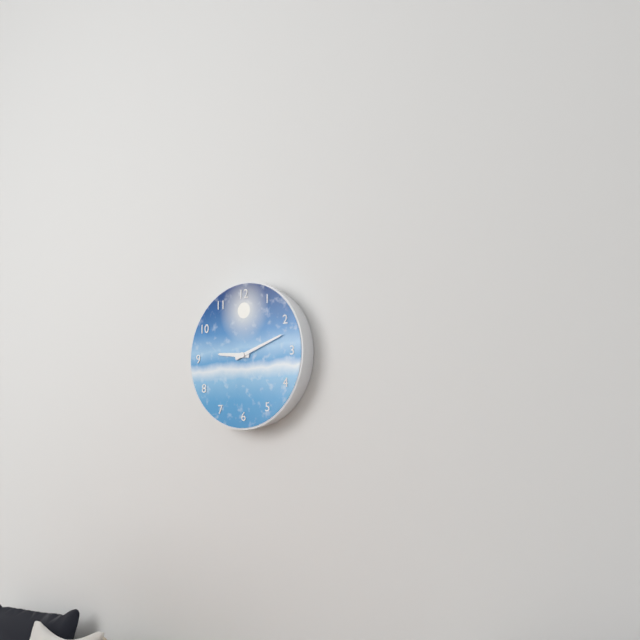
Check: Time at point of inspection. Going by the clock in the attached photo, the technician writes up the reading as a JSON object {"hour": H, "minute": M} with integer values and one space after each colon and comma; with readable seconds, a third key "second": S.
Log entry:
{"hour": 9, "minute": 12}
